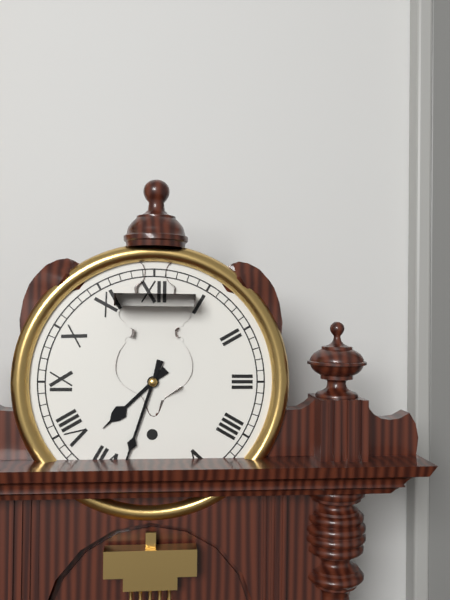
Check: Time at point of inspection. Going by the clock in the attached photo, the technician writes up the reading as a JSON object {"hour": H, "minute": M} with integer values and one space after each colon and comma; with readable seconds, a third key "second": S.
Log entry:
{"hour": 7, "minute": 33}
